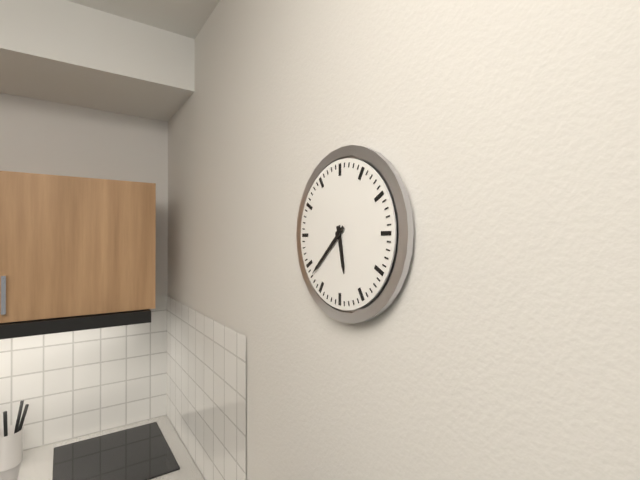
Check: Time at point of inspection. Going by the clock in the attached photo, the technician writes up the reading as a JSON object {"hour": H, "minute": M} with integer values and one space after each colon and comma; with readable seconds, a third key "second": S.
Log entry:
{"hour": 5, "minute": 38}
